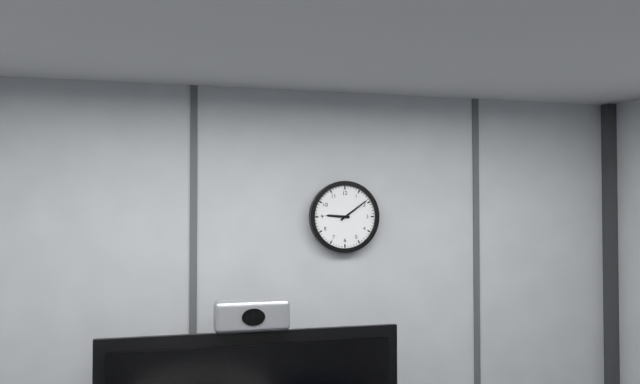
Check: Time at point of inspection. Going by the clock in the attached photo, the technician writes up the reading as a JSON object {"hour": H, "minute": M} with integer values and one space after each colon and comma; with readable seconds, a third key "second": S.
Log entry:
{"hour": 9, "minute": 9}
